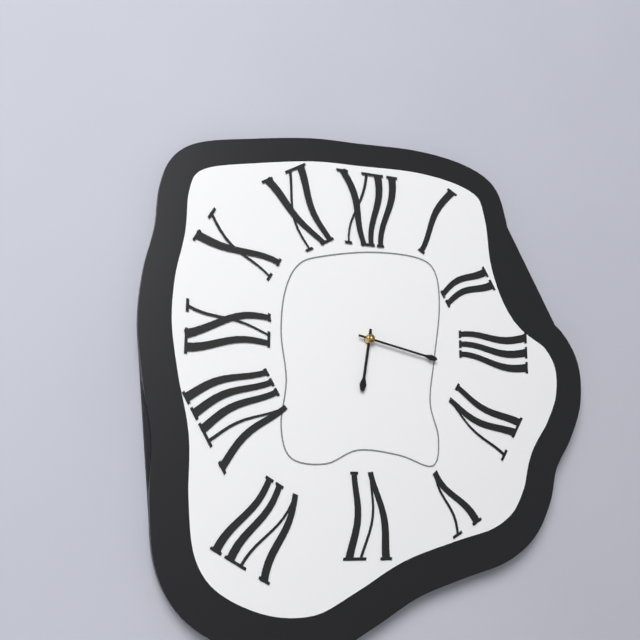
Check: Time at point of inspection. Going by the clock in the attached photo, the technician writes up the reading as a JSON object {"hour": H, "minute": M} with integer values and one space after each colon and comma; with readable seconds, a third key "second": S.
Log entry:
{"hour": 6, "minute": 17}
